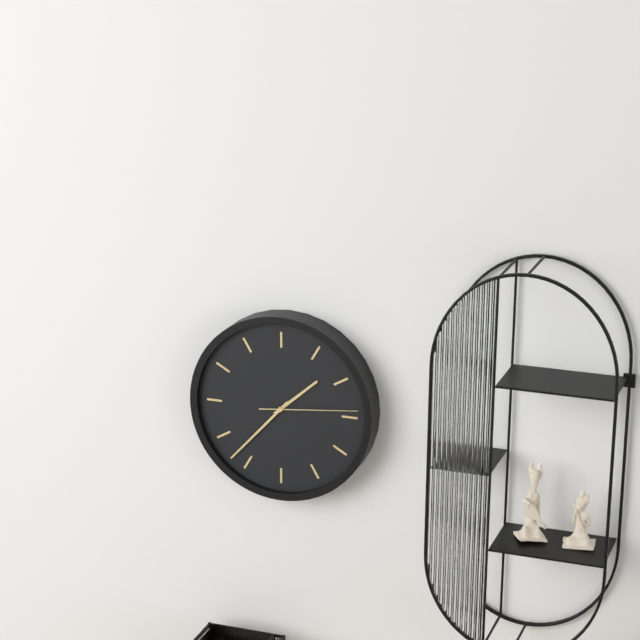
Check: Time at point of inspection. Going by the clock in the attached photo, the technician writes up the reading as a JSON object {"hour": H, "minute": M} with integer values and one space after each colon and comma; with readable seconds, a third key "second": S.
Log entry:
{"hour": 1, "minute": 37, "second": 14}
